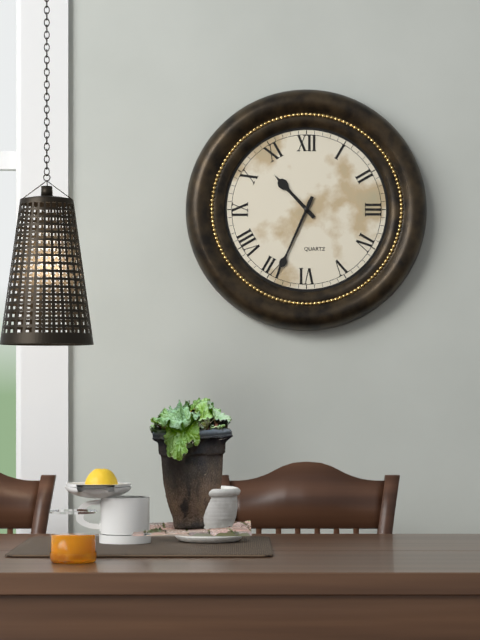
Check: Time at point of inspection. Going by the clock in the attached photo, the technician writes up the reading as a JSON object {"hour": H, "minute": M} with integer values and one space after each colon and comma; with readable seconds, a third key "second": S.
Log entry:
{"hour": 10, "minute": 34}
